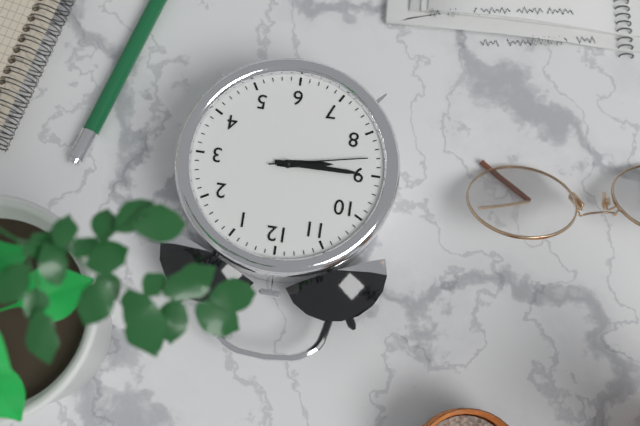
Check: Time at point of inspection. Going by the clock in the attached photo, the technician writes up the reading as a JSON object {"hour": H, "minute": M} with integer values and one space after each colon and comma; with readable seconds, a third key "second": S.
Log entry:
{"hour": 8, "minute": 45, "second": 43}
